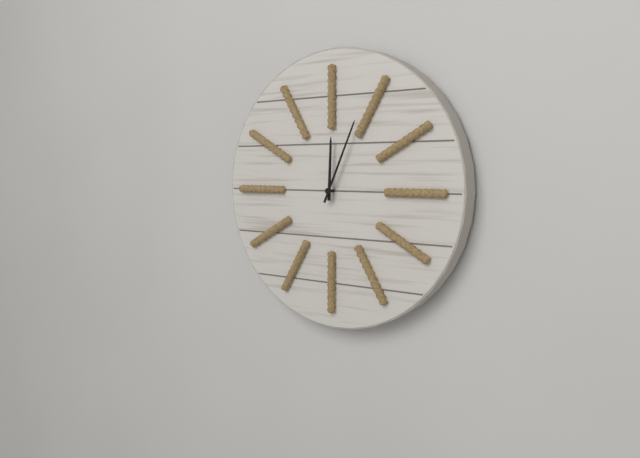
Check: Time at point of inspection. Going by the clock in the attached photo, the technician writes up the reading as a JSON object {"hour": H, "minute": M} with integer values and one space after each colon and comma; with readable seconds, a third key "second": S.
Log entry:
{"hour": 12, "minute": 4}
